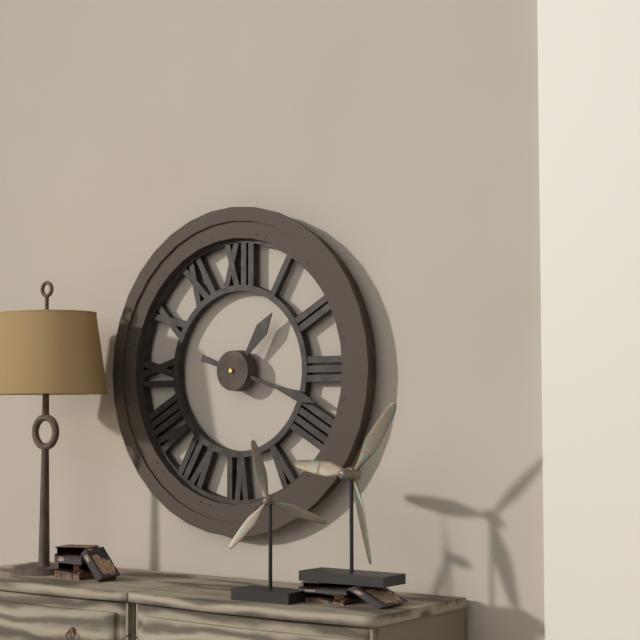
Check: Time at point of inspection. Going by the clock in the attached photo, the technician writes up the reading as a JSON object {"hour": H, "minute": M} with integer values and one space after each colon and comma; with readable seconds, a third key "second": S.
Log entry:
{"hour": 1, "minute": 18}
